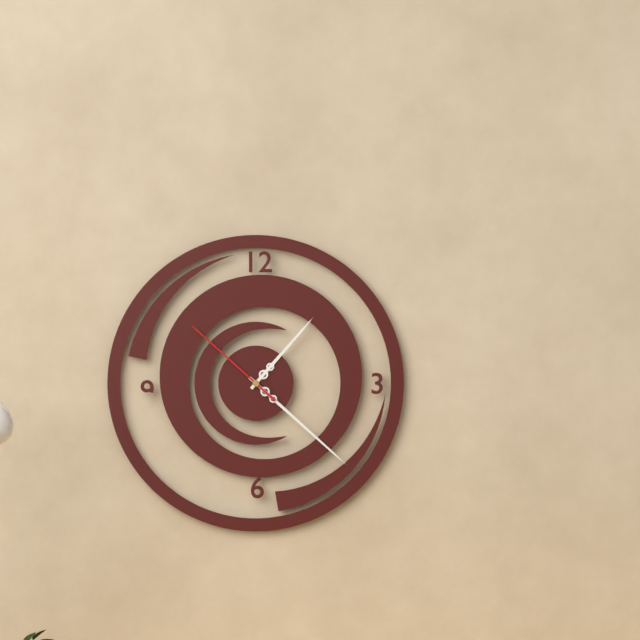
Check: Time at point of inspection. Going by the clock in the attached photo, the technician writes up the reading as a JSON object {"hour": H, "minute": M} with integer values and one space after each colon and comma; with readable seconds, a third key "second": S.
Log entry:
{"hour": 1, "minute": 22, "second": 52}
